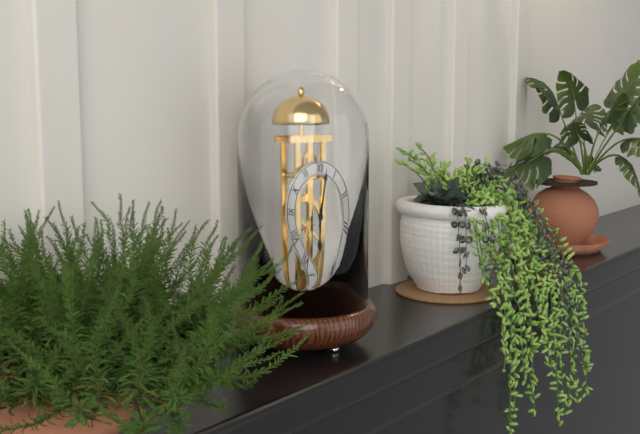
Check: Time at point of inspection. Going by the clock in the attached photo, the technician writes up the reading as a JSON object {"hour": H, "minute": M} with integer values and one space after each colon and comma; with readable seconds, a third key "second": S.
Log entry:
{"hour": 6, "minute": 2}
